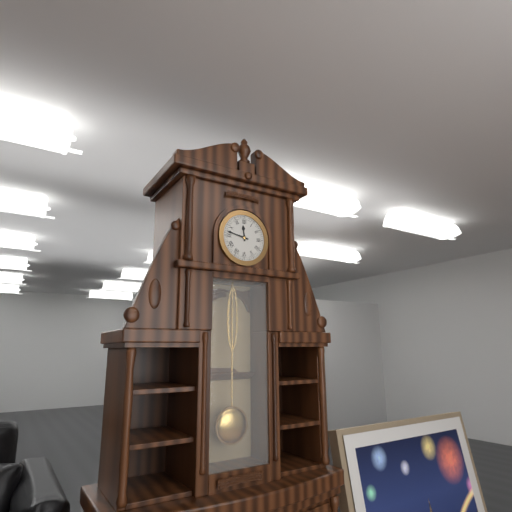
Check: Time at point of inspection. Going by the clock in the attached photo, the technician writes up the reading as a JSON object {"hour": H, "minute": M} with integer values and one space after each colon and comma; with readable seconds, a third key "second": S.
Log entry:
{"hour": 11, "minute": 47}
